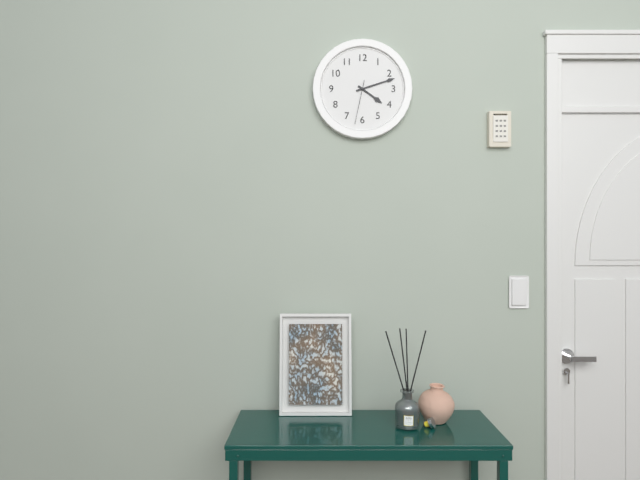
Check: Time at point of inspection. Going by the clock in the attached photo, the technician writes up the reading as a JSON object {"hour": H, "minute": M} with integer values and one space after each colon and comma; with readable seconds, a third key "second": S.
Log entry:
{"hour": 4, "minute": 12}
